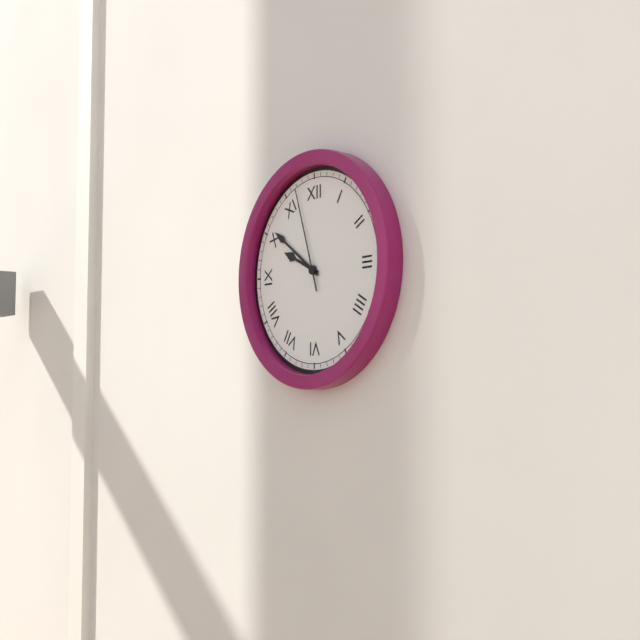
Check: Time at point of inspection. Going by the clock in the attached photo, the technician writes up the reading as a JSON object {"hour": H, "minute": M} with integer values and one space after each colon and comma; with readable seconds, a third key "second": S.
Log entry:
{"hour": 9, "minute": 51, "second": 57}
